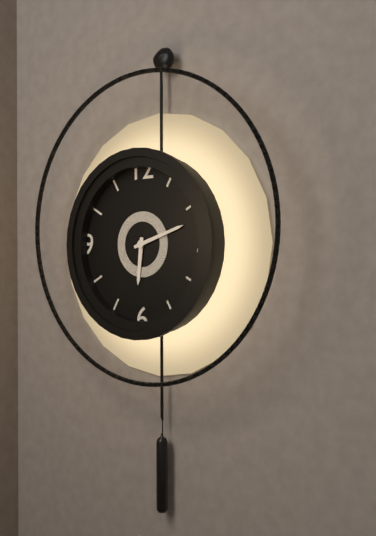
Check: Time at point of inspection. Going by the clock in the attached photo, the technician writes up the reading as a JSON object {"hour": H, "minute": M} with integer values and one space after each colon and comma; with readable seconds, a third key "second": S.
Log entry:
{"hour": 6, "minute": 12}
